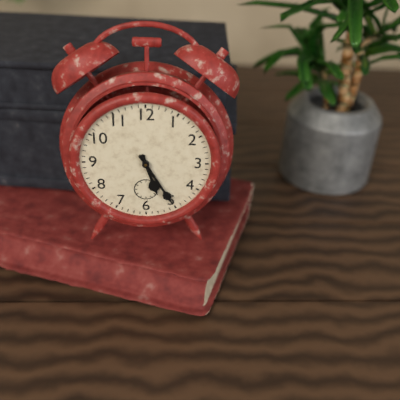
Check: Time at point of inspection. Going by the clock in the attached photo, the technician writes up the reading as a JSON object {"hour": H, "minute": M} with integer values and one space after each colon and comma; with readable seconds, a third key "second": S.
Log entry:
{"hour": 5, "minute": 25}
